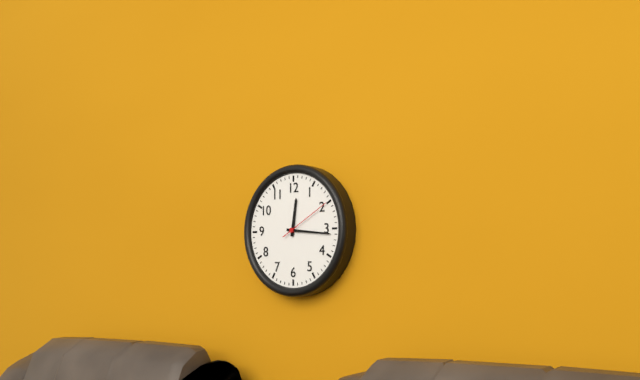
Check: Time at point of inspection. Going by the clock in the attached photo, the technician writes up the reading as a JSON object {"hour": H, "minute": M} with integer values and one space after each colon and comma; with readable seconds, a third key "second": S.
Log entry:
{"hour": 12, "minute": 16, "second": 10}
